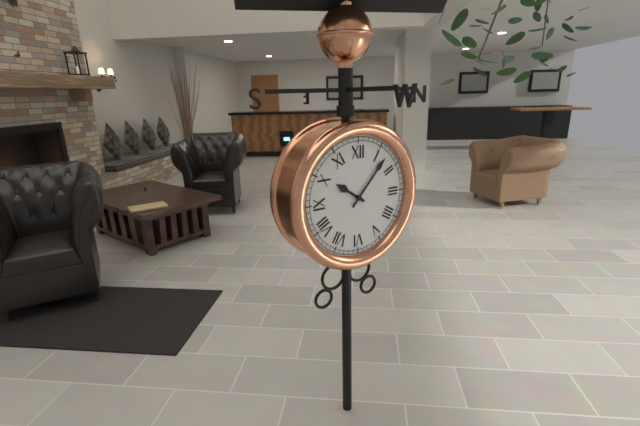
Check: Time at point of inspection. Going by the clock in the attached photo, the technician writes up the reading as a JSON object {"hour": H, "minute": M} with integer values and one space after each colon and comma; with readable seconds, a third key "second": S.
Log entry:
{"hour": 10, "minute": 7}
